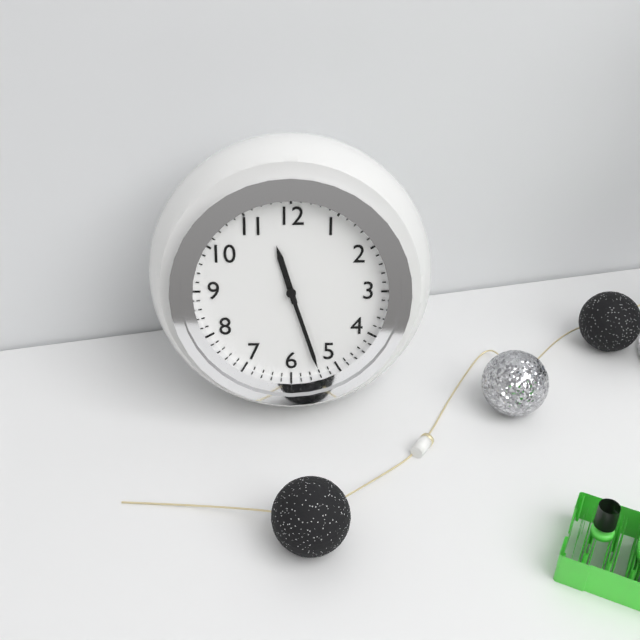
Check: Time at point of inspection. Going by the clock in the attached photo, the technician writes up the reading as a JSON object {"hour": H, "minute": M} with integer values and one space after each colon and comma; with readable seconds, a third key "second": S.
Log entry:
{"hour": 11, "minute": 27}
